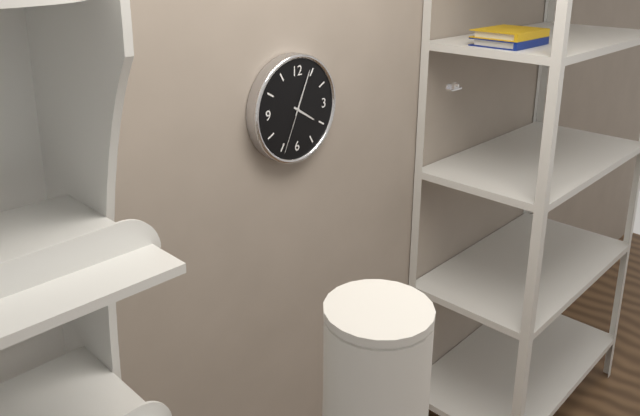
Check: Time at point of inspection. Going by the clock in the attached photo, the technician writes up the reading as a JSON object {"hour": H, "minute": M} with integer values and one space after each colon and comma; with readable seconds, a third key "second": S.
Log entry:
{"hour": 4, "minute": 4, "second": 34}
